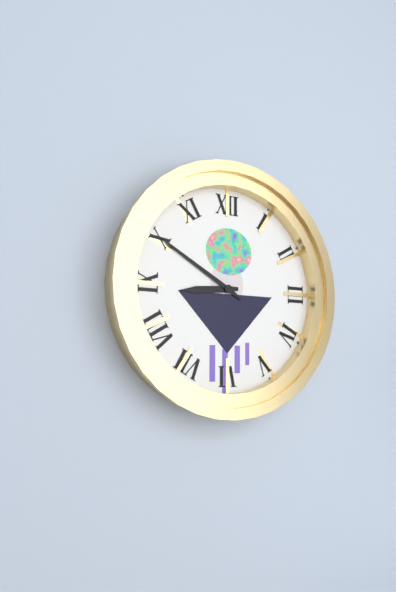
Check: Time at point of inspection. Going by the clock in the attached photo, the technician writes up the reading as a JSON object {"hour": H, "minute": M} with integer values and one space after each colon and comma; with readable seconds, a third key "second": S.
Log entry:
{"hour": 8, "minute": 50}
